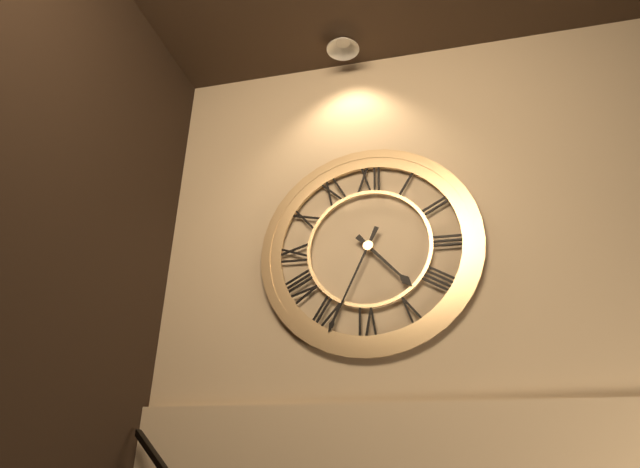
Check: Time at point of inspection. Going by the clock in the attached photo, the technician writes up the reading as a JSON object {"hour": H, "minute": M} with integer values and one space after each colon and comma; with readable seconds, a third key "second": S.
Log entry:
{"hour": 4, "minute": 34}
